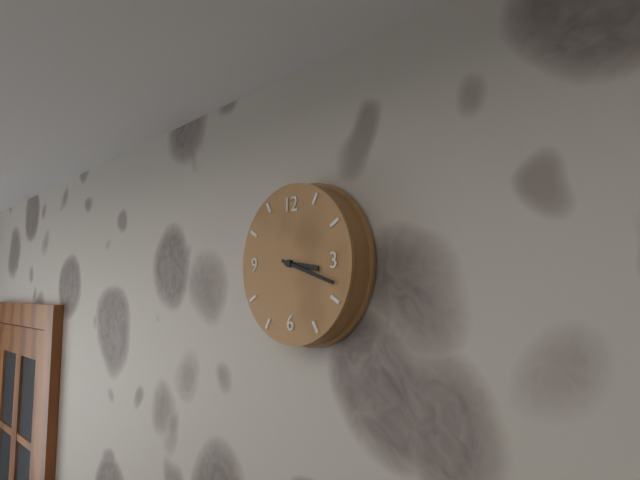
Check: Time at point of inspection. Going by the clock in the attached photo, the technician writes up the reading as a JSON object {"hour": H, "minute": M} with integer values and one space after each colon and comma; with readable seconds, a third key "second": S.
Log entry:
{"hour": 3, "minute": 18}
